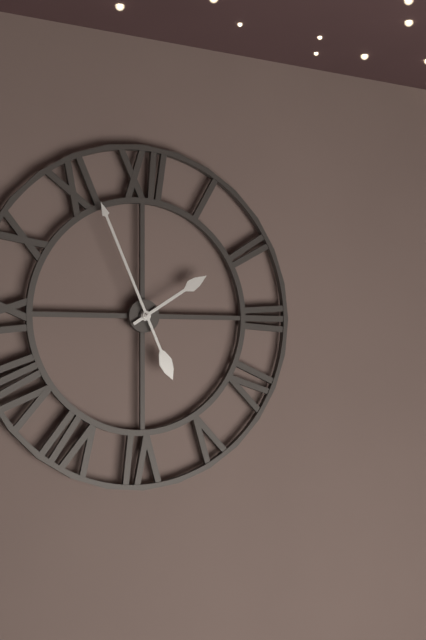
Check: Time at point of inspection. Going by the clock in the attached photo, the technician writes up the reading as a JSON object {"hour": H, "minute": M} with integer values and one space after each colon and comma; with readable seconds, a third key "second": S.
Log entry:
{"hour": 1, "minute": 56}
